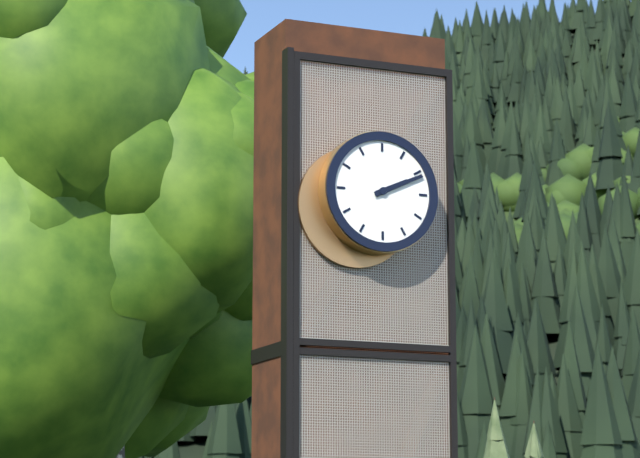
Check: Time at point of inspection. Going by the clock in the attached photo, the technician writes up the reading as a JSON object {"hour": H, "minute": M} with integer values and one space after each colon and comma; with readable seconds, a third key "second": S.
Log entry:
{"hour": 2, "minute": 11}
